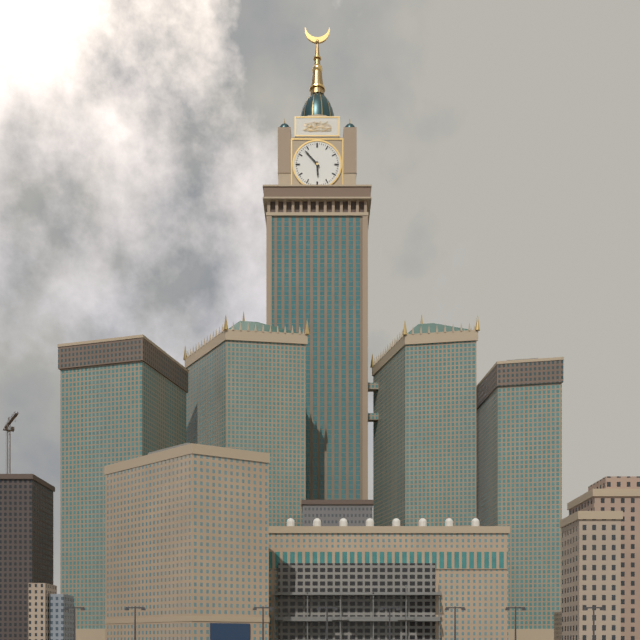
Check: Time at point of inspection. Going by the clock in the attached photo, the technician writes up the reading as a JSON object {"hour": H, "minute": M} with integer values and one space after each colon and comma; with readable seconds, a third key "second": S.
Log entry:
{"hour": 5, "minute": 53}
